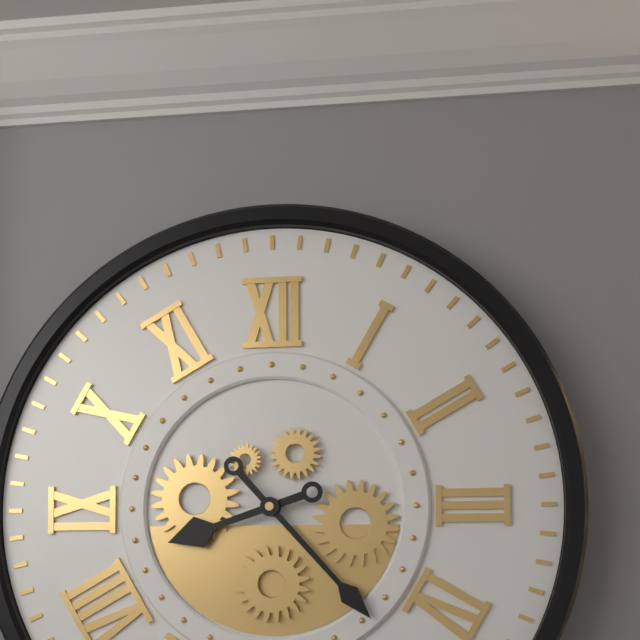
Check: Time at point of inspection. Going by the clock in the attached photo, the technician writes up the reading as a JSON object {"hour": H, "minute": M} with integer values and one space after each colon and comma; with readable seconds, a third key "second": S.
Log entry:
{"hour": 8, "minute": 23}
